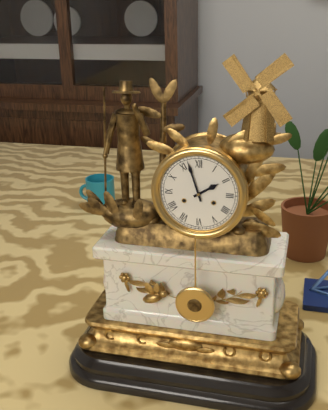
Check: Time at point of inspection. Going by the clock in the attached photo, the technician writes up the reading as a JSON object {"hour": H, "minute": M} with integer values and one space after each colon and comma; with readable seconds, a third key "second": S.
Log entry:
{"hour": 1, "minute": 57}
